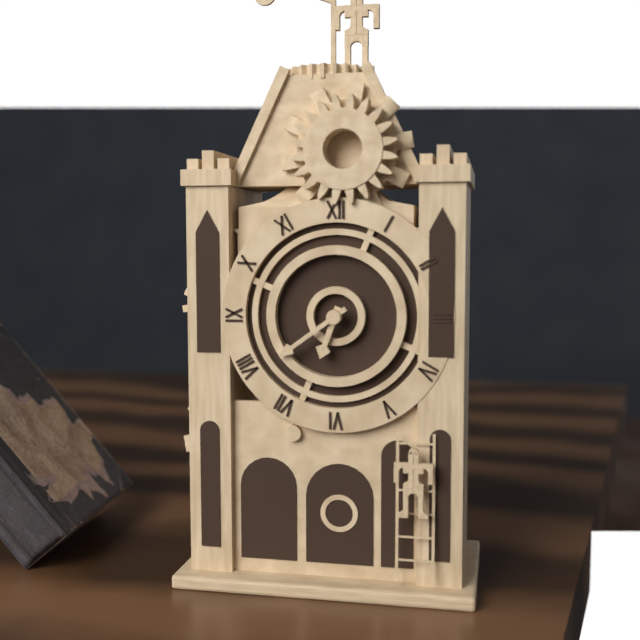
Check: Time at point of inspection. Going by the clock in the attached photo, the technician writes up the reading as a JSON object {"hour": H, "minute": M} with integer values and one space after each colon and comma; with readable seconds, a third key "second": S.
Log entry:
{"hour": 6, "minute": 39}
